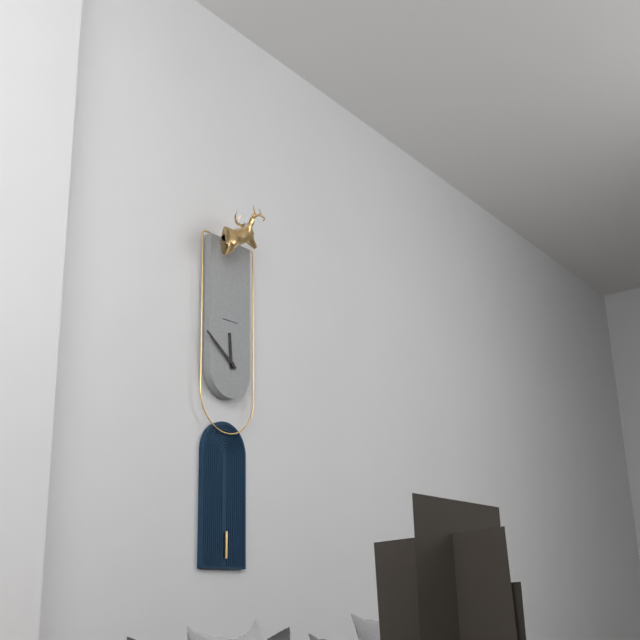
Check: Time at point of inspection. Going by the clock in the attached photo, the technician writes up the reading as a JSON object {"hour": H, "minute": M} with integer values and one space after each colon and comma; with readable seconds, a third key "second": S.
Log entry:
{"hour": 11, "minute": 51}
